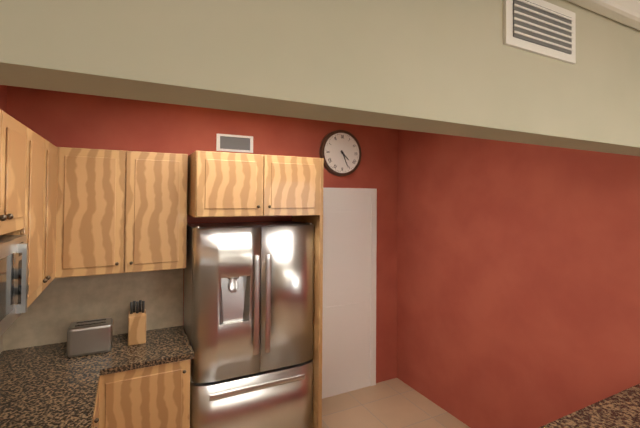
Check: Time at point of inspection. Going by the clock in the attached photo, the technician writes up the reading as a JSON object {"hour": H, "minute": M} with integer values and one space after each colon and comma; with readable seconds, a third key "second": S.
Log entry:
{"hour": 4, "minute": 26}
